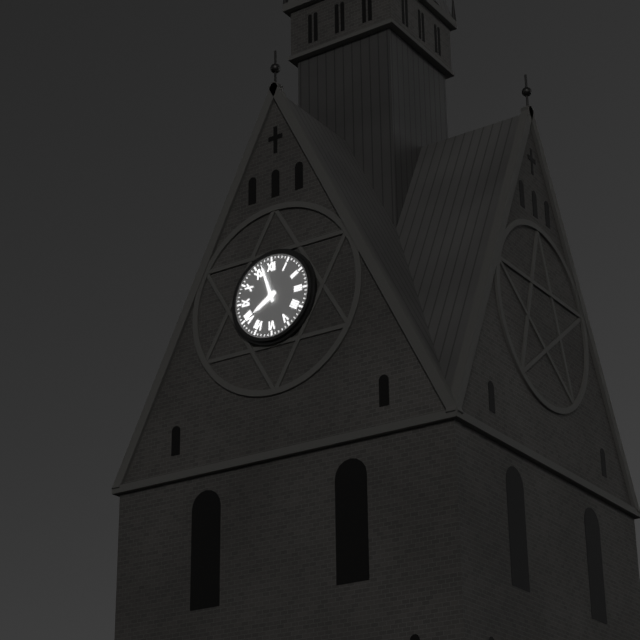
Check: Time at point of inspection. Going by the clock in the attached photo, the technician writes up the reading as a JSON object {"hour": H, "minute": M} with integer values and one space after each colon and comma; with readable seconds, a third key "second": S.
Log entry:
{"hour": 7, "minute": 57}
